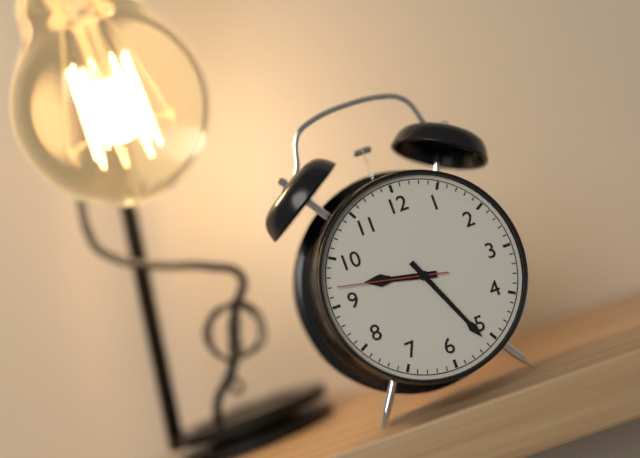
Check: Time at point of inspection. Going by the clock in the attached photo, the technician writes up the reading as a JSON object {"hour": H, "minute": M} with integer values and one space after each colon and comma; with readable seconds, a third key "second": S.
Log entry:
{"hour": 9, "minute": 26, "second": 47}
